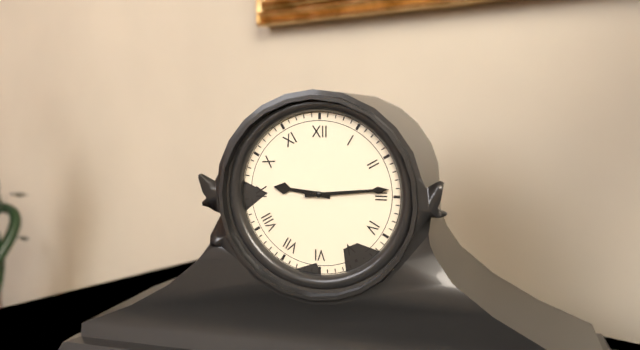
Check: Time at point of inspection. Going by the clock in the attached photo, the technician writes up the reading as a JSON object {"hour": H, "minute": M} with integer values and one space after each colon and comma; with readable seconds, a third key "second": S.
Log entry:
{"hour": 9, "minute": 14}
